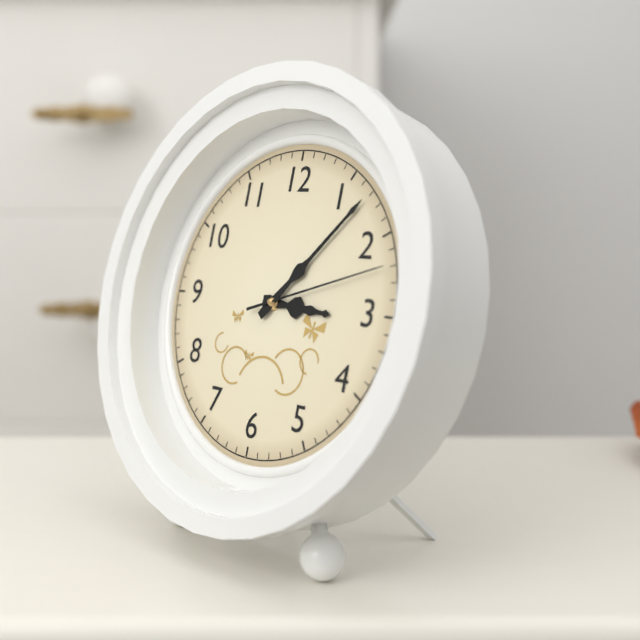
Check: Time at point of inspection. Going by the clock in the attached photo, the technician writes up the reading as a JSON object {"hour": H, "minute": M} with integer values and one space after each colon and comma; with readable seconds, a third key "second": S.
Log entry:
{"hour": 3, "minute": 7, "second": 12}
